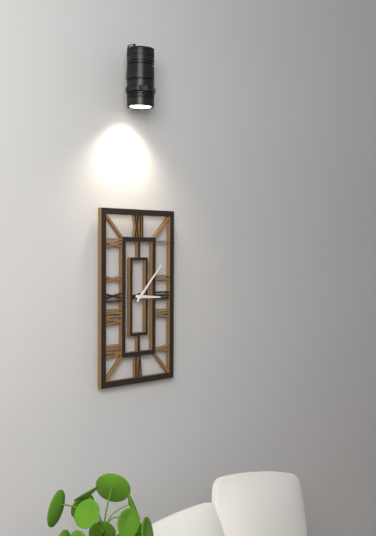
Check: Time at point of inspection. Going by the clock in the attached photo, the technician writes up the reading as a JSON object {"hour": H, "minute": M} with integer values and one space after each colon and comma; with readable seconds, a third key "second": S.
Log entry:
{"hour": 3, "minute": 7}
